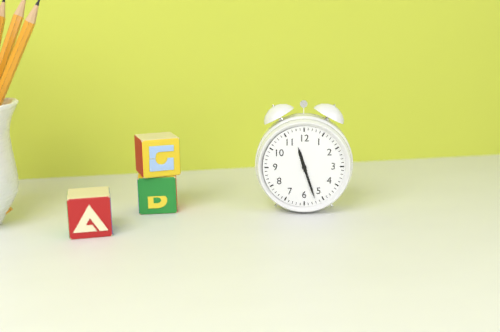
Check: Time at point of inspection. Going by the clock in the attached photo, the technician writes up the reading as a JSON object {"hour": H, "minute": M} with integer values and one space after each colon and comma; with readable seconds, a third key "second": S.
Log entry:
{"hour": 11, "minute": 27}
